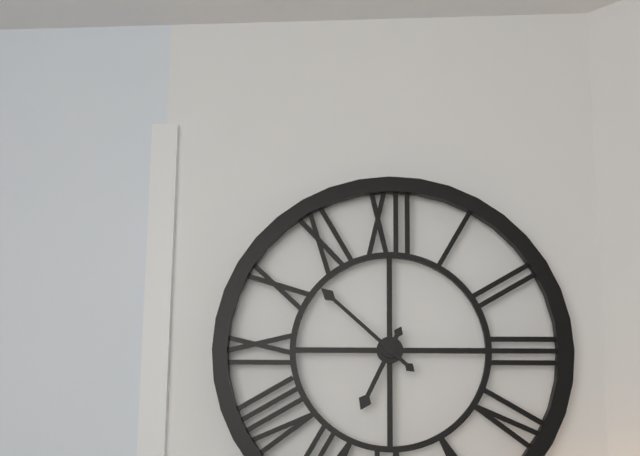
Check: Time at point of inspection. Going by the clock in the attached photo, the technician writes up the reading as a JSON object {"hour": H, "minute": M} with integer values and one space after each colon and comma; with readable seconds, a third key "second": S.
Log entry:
{"hour": 6, "minute": 52}
